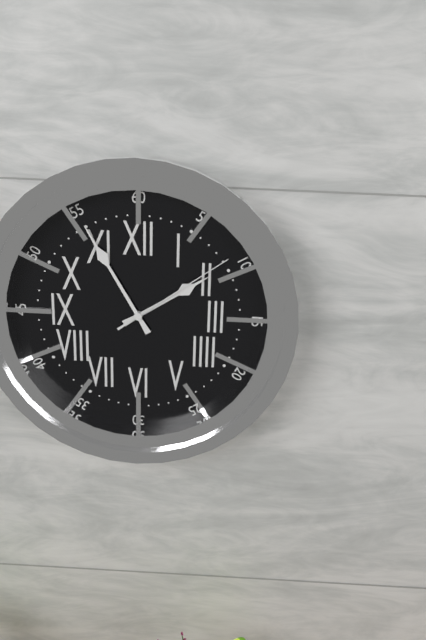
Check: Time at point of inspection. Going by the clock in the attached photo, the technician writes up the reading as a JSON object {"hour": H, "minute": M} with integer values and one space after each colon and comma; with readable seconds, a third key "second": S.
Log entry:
{"hour": 1, "minute": 55, "second": 9}
